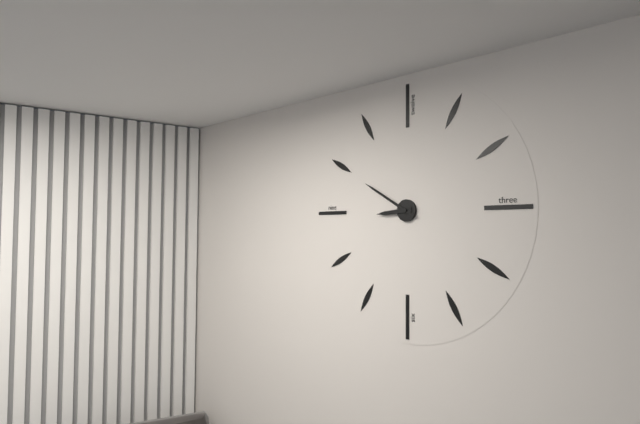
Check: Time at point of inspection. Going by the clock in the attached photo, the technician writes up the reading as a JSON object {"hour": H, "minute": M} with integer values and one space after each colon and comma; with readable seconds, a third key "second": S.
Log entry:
{"hour": 8, "minute": 50}
